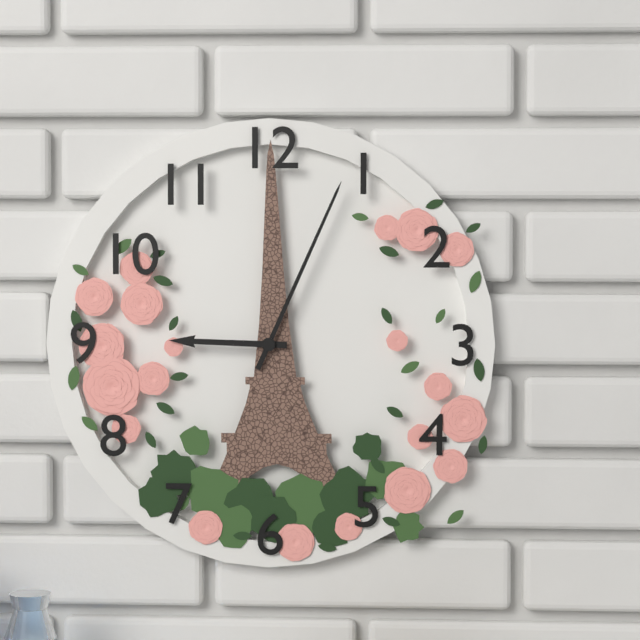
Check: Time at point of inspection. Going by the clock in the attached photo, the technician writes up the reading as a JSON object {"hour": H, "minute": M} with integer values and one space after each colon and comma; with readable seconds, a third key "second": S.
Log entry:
{"hour": 9, "minute": 4}
